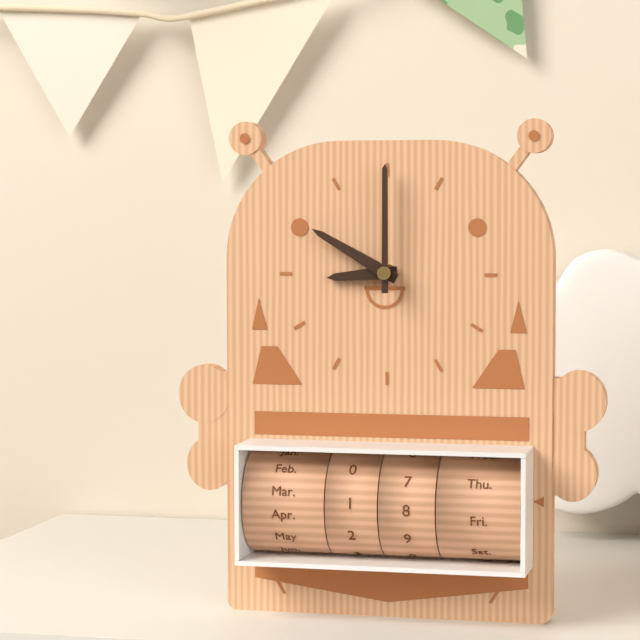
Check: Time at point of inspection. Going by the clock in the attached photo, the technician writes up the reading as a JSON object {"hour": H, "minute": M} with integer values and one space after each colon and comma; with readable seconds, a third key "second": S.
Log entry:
{"hour": 8, "minute": 50, "second": 0}
